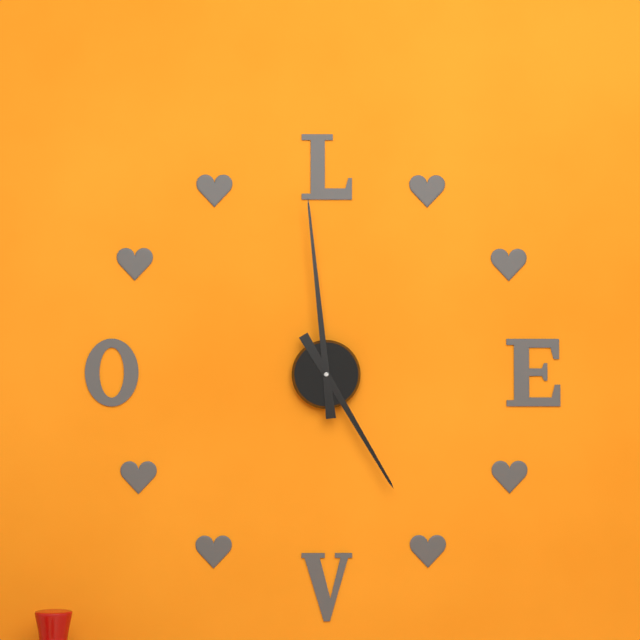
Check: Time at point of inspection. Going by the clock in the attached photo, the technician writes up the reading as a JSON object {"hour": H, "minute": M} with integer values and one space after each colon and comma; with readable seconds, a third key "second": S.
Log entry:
{"hour": 4, "minute": 59}
